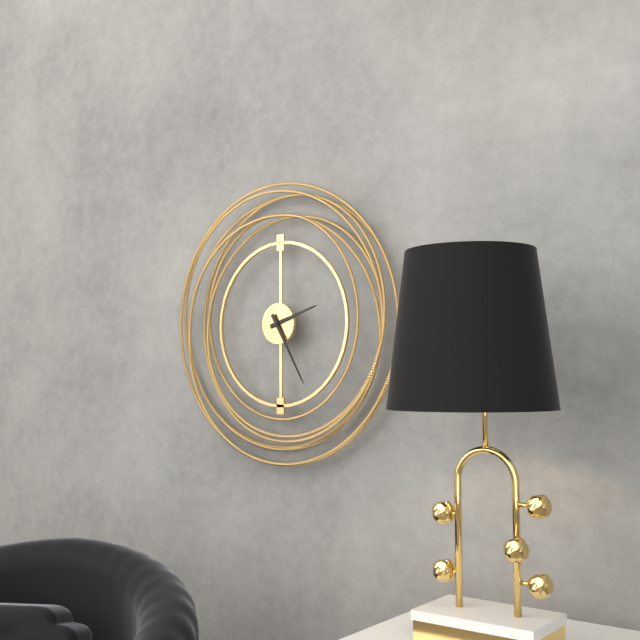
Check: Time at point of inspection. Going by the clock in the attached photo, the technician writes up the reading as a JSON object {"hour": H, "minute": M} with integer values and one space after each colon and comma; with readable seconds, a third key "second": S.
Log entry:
{"hour": 2, "minute": 25}
